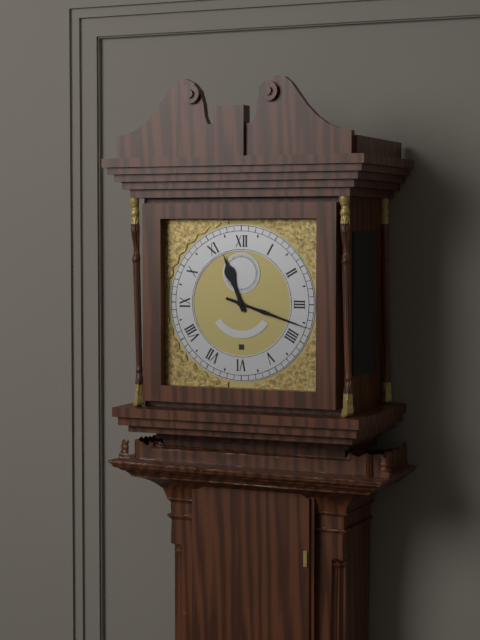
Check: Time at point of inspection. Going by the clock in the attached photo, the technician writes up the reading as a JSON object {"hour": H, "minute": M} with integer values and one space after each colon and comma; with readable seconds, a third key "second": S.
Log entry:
{"hour": 11, "minute": 18}
